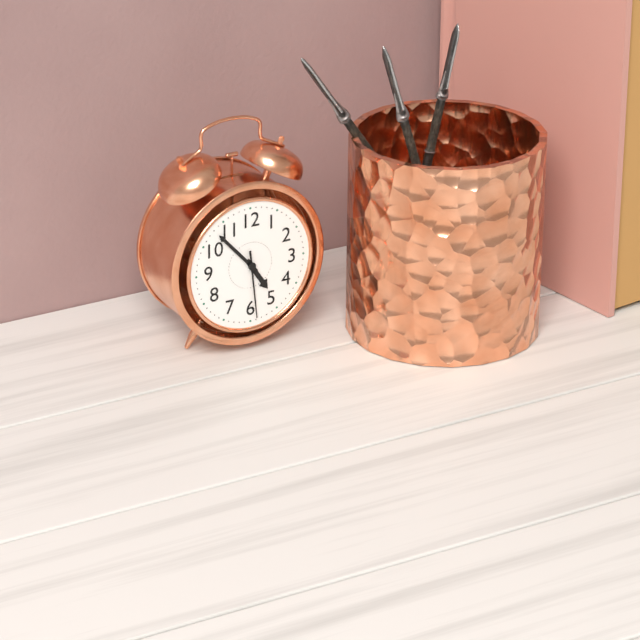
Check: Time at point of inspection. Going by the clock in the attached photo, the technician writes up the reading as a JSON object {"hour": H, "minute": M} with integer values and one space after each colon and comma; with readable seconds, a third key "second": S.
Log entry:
{"hour": 4, "minute": 53, "second": 29}
